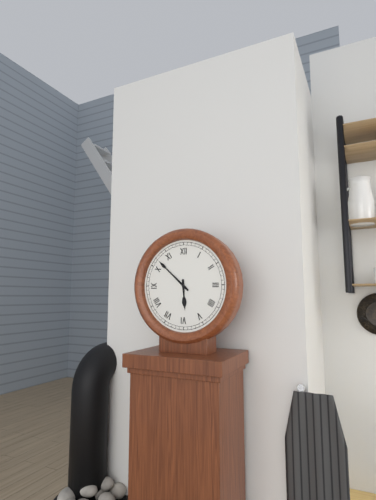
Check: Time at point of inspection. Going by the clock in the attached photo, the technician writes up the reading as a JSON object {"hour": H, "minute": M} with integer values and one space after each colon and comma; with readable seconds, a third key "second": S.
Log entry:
{"hour": 5, "minute": 52}
